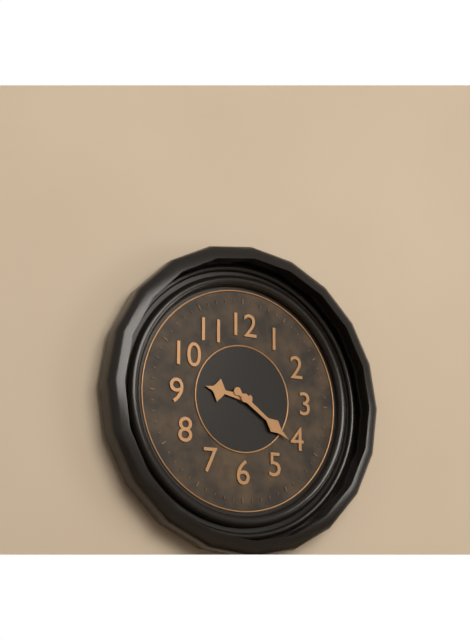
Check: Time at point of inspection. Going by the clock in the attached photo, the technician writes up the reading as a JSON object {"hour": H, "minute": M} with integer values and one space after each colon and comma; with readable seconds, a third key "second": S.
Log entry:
{"hour": 9, "minute": 21}
